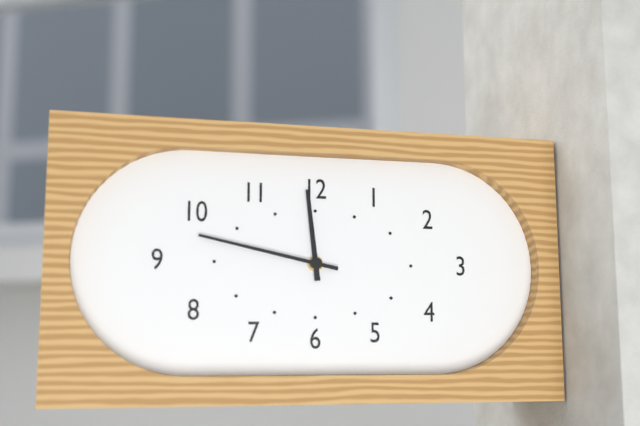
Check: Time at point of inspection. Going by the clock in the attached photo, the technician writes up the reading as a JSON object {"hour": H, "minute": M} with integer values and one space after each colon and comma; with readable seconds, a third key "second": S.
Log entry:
{"hour": 11, "minute": 47}
